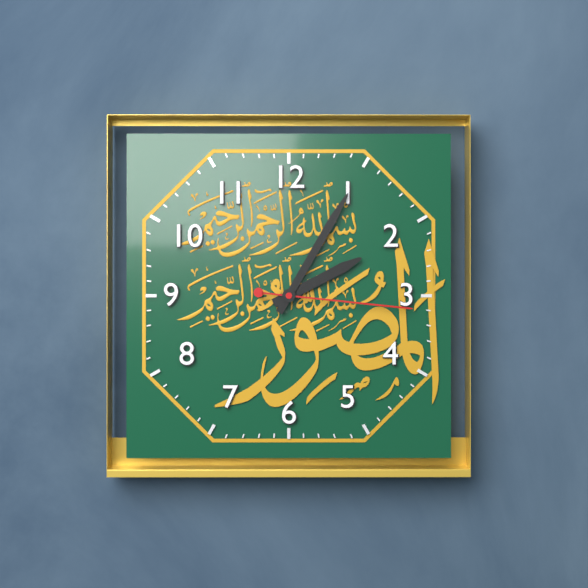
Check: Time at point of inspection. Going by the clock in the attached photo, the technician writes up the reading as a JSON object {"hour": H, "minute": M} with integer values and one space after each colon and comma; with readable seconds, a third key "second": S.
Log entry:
{"hour": 2, "minute": 5, "second": 16}
